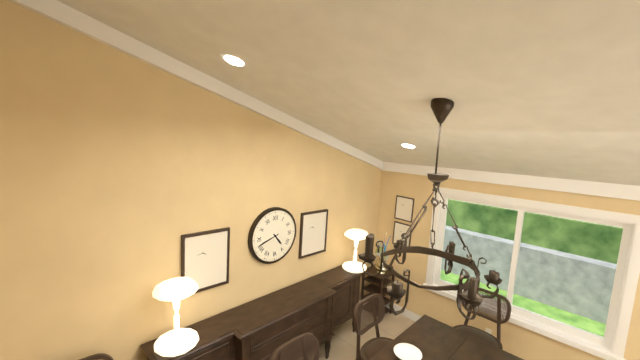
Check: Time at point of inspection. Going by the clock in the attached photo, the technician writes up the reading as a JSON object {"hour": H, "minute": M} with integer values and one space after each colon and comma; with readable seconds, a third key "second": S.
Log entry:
{"hour": 4, "minute": 42}
